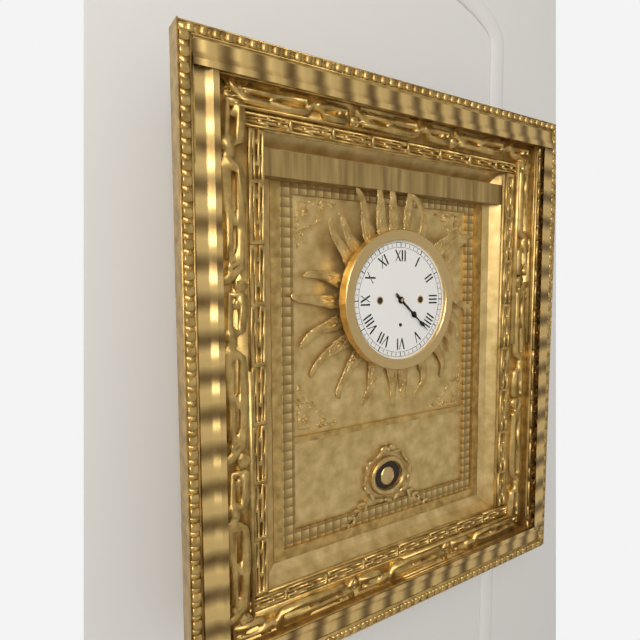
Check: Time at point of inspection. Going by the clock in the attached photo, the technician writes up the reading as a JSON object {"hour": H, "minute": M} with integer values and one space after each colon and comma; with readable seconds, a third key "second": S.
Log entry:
{"hour": 4, "minute": 22}
